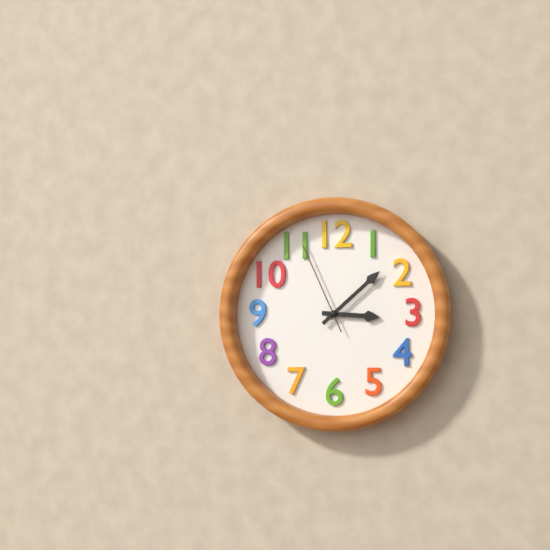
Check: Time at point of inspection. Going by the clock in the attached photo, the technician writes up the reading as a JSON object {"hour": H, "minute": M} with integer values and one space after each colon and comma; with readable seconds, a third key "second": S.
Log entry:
{"hour": 3, "minute": 8, "second": 56}
